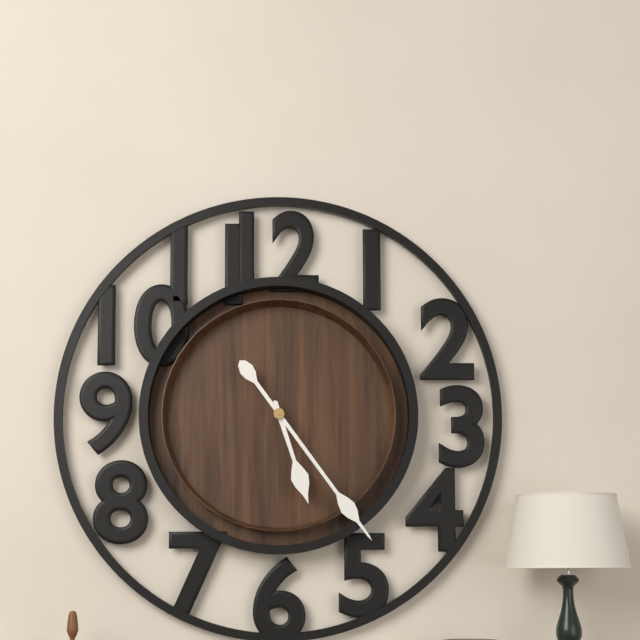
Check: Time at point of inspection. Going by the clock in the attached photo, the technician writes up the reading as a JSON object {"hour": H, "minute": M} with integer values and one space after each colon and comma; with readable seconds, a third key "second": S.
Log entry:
{"hour": 5, "minute": 24}
